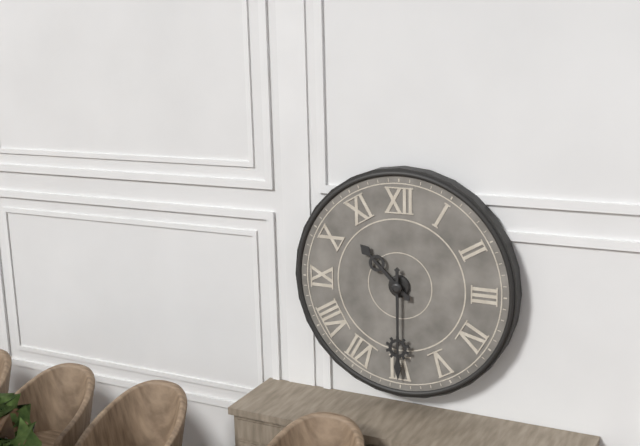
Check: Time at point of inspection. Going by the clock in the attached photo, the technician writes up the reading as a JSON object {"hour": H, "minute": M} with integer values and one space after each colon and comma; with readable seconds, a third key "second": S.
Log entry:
{"hour": 10, "minute": 30}
